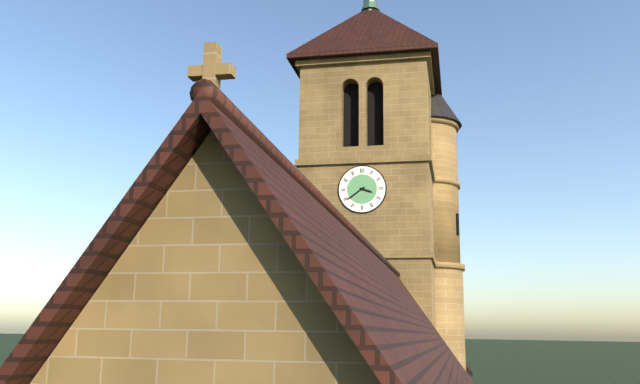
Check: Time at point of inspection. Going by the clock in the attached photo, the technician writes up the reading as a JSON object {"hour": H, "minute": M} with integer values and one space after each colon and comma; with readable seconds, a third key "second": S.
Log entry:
{"hour": 3, "minute": 39}
